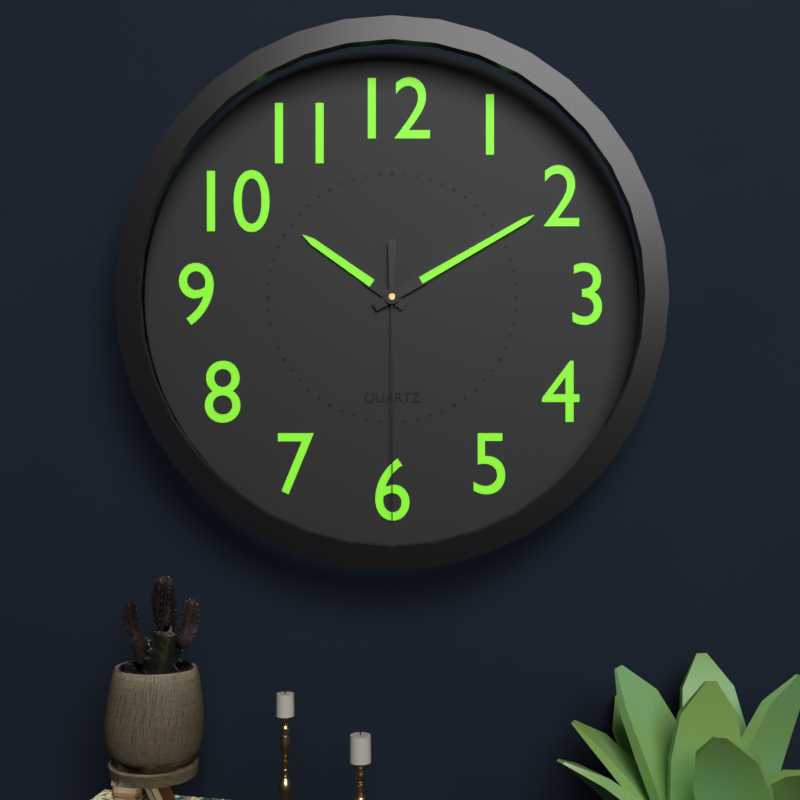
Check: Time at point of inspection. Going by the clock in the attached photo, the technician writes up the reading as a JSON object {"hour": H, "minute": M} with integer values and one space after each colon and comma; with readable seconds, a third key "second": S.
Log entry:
{"hour": 10, "minute": 10, "second": 30}
